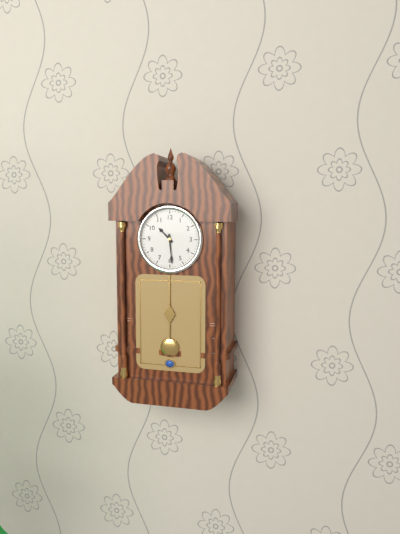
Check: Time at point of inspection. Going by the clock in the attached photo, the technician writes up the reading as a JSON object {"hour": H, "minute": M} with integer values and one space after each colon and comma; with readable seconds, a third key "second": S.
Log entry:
{"hour": 10, "minute": 29}
